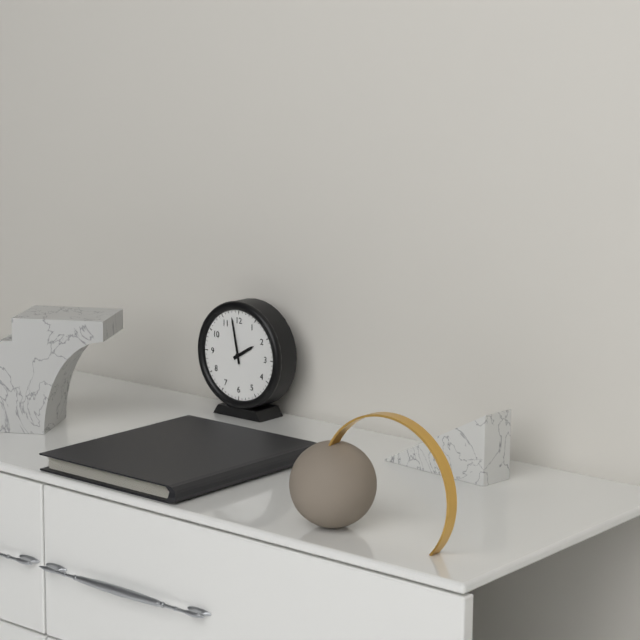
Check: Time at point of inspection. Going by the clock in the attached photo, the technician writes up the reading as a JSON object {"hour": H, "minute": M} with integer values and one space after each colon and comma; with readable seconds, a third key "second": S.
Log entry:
{"hour": 1, "minute": 58}
